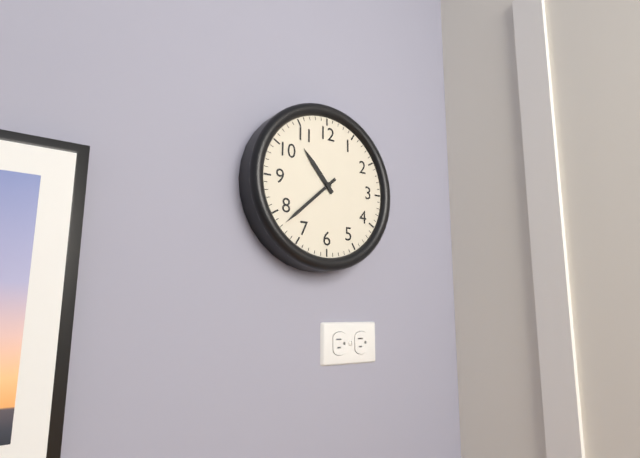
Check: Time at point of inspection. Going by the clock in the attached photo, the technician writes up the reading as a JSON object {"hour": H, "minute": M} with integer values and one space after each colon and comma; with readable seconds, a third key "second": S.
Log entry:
{"hour": 10, "minute": 38}
